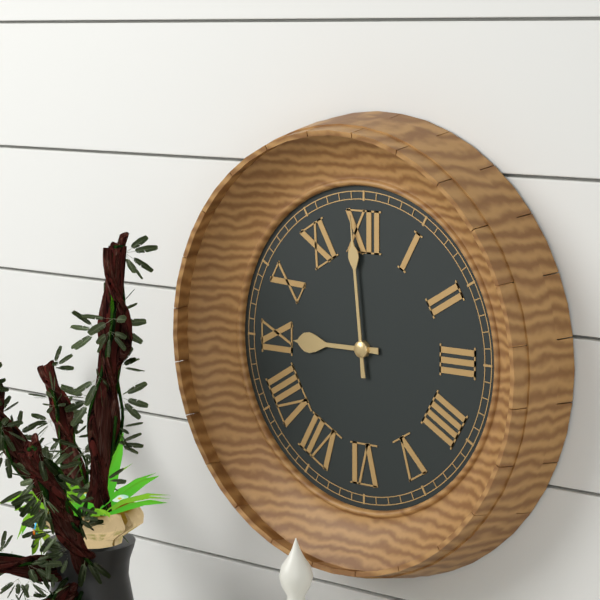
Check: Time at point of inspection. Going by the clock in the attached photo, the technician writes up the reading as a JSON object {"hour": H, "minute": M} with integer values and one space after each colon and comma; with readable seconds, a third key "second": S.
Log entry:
{"hour": 8, "minute": 59}
